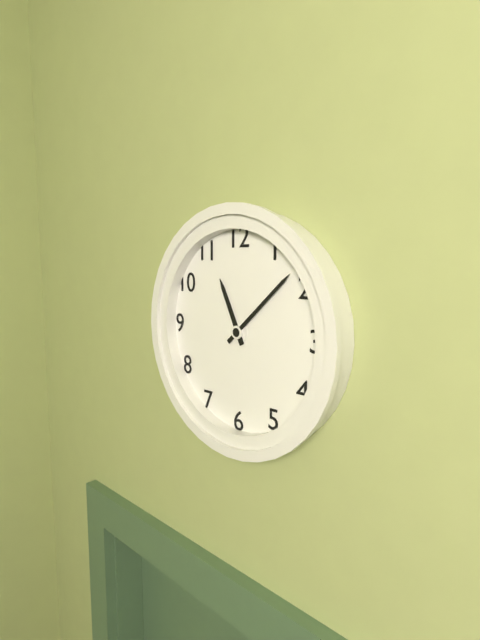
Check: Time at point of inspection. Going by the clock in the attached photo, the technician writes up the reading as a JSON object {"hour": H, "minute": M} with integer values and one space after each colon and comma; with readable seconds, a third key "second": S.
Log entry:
{"hour": 11, "minute": 8}
